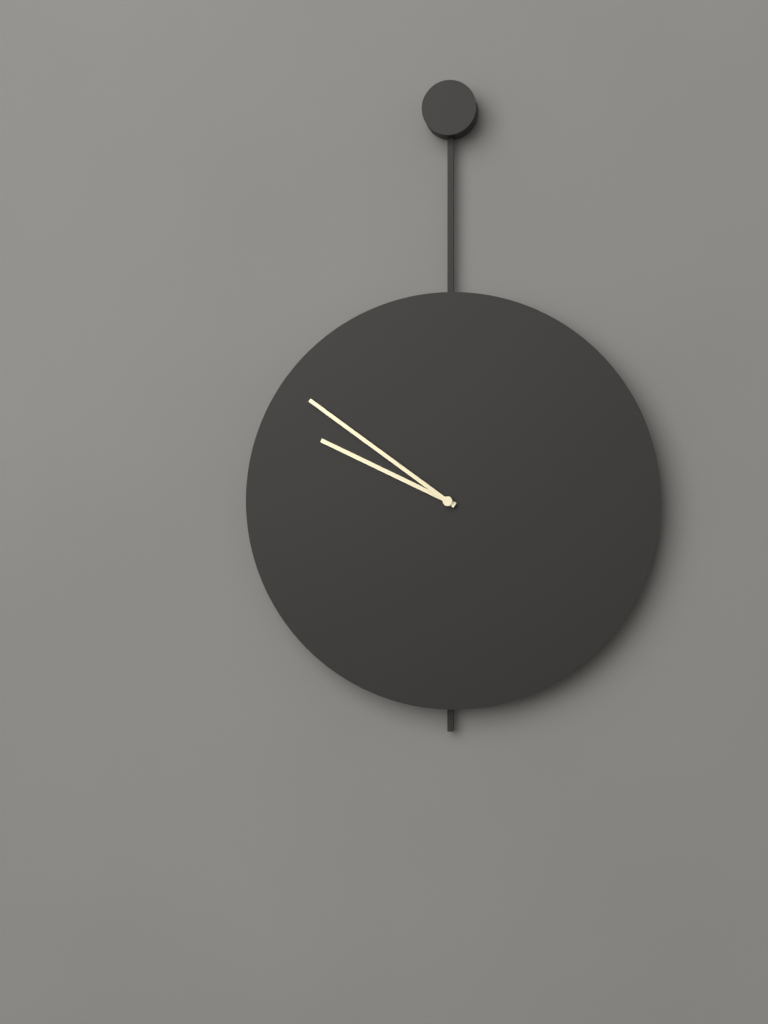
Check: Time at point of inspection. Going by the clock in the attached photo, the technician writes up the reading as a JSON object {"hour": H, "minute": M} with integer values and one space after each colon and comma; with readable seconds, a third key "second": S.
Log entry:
{"hour": 9, "minute": 51}
